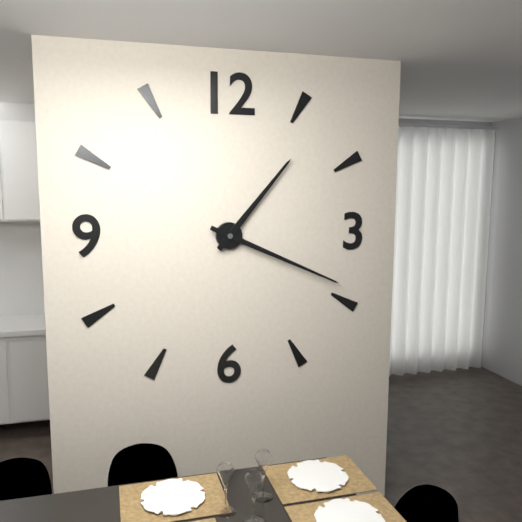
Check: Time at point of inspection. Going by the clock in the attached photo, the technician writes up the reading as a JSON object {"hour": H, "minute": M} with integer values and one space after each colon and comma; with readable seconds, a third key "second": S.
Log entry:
{"hour": 1, "minute": 19}
